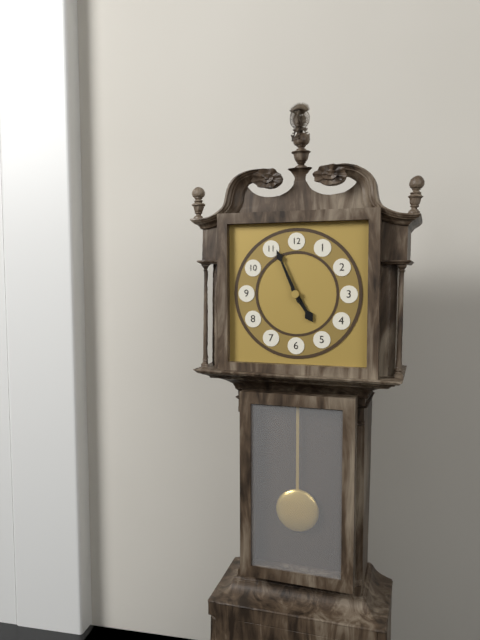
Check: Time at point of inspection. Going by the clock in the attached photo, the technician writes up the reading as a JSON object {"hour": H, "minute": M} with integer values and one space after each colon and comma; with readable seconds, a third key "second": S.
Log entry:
{"hour": 4, "minute": 56}
